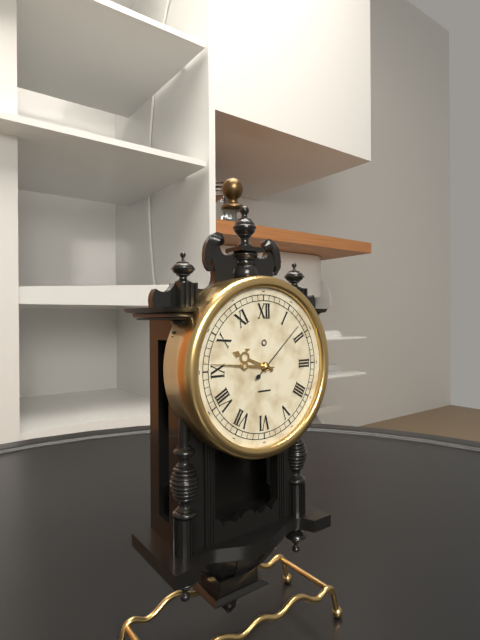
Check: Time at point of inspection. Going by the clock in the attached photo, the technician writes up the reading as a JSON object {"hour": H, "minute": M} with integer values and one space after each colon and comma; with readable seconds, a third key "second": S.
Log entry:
{"hour": 9, "minute": 46, "second": 8}
